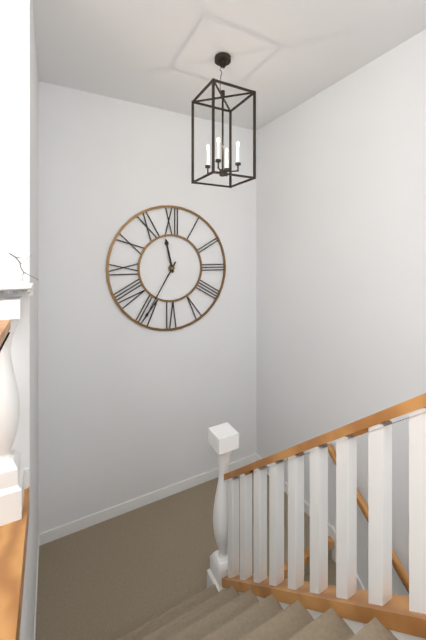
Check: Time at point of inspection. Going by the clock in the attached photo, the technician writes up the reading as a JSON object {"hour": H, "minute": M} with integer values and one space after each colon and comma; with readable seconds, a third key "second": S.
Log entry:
{"hour": 11, "minute": 35}
